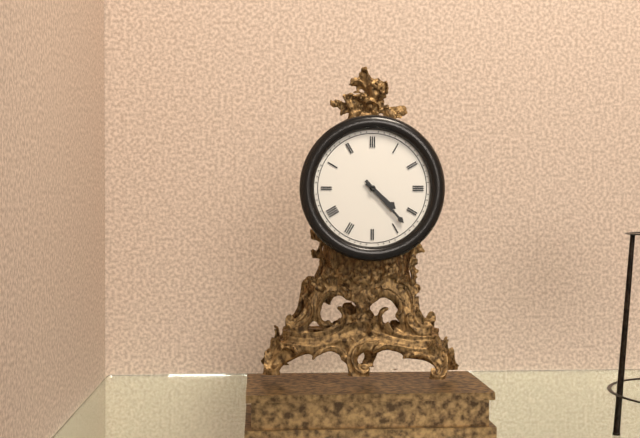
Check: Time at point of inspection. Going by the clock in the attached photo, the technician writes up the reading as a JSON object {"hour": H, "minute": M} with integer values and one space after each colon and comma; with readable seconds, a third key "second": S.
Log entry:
{"hour": 4, "minute": 23}
